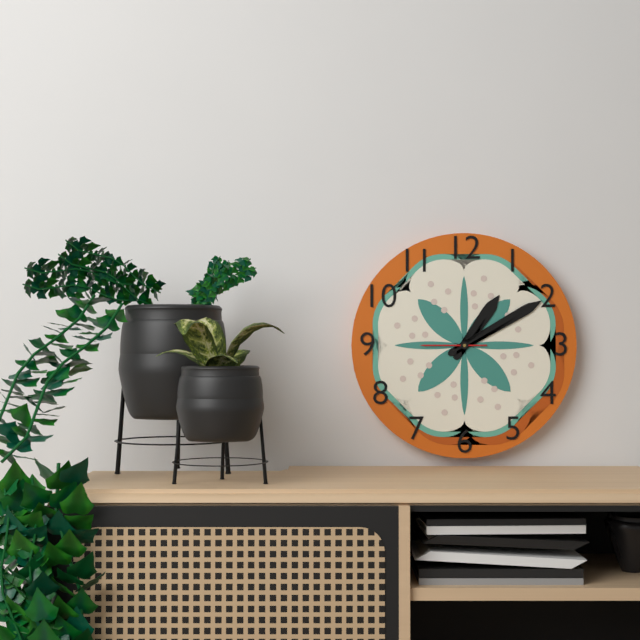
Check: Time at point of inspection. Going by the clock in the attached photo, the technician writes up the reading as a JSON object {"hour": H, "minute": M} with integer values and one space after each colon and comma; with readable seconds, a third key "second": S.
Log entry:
{"hour": 1, "minute": 10, "second": 45}
